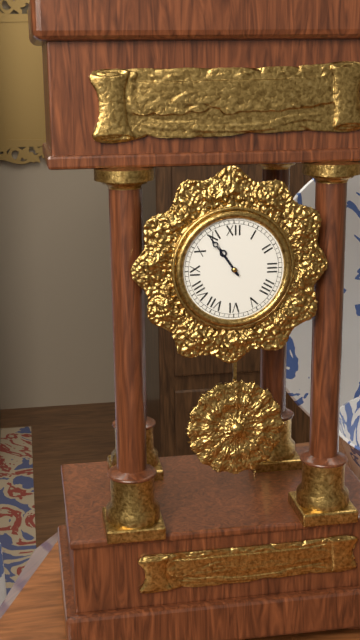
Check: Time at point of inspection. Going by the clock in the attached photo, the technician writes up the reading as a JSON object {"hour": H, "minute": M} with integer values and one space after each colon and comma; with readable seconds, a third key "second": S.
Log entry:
{"hour": 10, "minute": 54}
